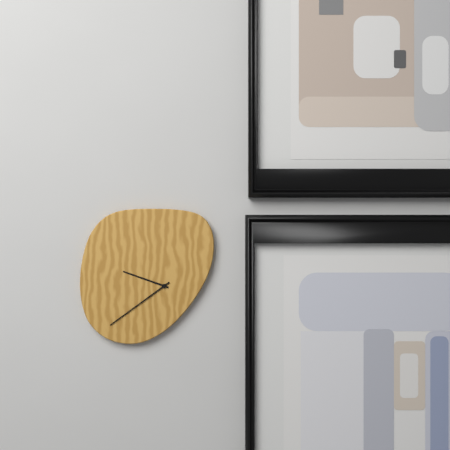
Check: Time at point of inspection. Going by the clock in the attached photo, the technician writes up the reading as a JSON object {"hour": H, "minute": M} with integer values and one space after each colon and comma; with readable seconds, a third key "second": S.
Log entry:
{"hour": 9, "minute": 39}
